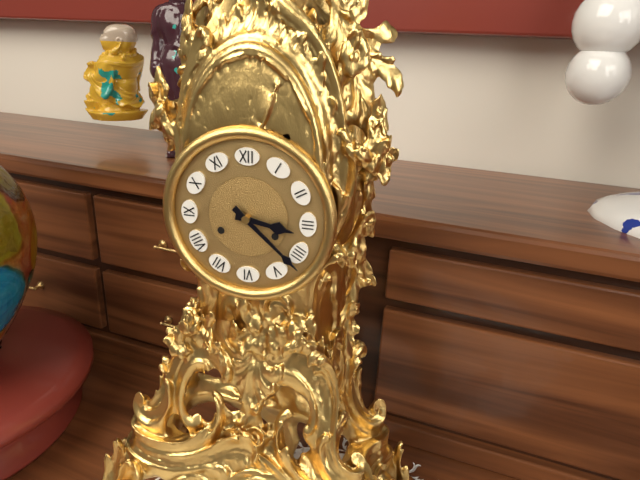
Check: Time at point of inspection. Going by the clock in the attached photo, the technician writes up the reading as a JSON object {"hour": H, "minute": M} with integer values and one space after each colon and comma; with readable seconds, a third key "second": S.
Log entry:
{"hour": 3, "minute": 22}
